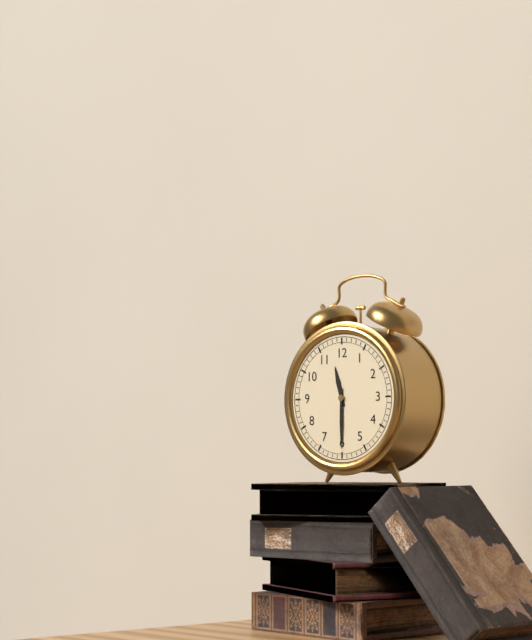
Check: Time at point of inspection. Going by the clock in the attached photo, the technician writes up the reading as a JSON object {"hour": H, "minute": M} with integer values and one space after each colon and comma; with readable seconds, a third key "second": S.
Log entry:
{"hour": 11, "minute": 30}
